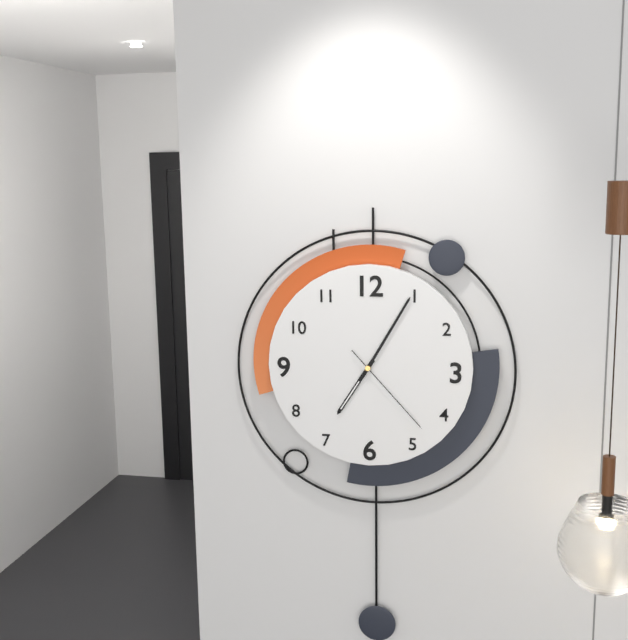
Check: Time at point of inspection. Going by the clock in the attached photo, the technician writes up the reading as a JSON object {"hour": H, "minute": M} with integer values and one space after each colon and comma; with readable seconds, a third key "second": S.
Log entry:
{"hour": 7, "minute": 5, "second": 23}
